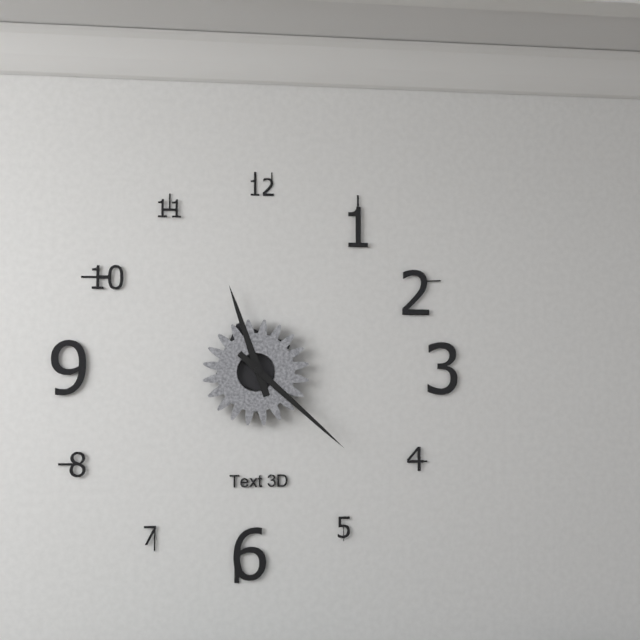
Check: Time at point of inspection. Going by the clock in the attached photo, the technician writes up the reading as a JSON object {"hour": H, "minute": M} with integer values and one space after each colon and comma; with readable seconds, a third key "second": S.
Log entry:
{"hour": 11, "minute": 22}
